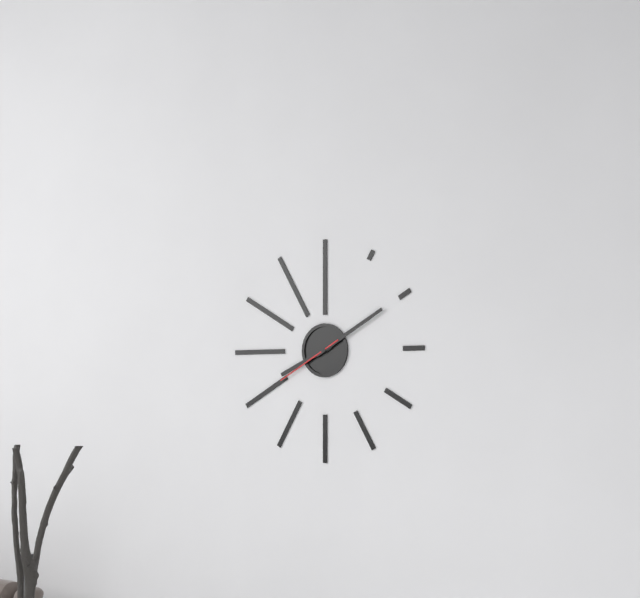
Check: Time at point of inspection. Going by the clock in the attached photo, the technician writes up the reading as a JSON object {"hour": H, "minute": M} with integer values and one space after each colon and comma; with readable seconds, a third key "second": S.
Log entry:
{"hour": 8, "minute": 10, "second": 40}
